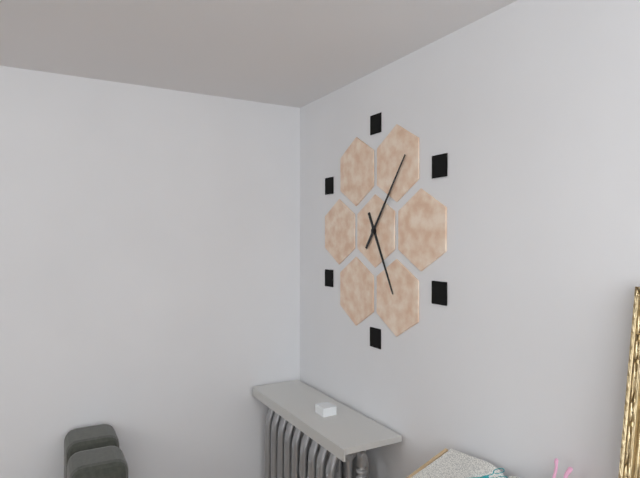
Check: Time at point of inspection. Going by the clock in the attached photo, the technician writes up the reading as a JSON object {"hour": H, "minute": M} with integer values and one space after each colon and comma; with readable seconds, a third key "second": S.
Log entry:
{"hour": 5, "minute": 6}
